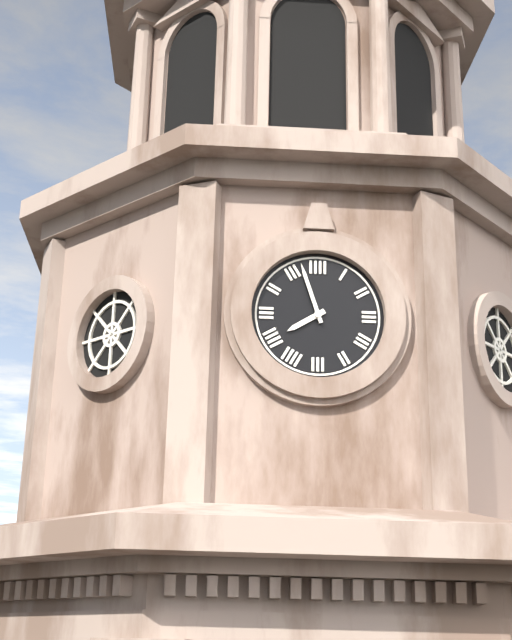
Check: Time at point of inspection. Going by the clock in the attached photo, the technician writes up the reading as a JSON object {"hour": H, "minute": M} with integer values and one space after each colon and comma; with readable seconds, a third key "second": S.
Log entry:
{"hour": 7, "minute": 57}
